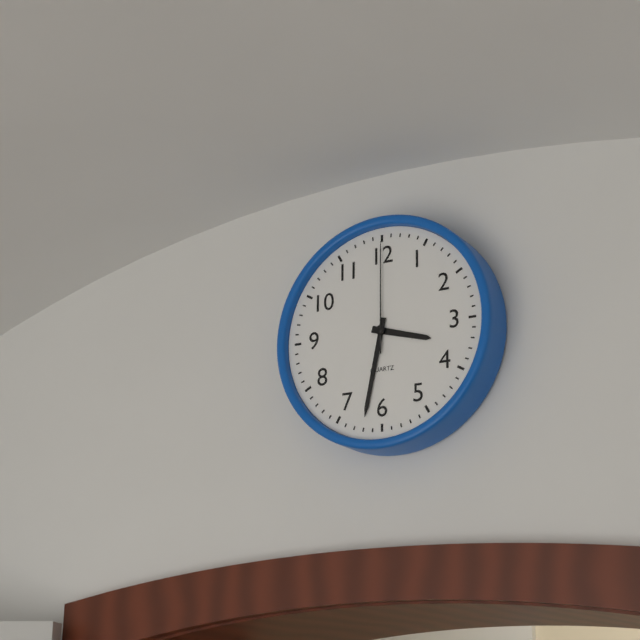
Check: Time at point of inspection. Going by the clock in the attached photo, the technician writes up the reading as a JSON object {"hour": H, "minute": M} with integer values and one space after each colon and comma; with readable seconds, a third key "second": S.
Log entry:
{"hour": 3, "minute": 32, "second": 0}
